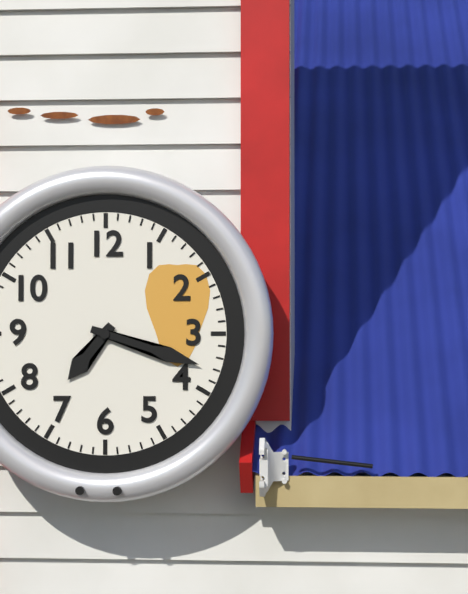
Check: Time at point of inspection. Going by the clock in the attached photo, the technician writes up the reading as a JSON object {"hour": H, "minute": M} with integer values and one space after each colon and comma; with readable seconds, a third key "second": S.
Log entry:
{"hour": 7, "minute": 18}
